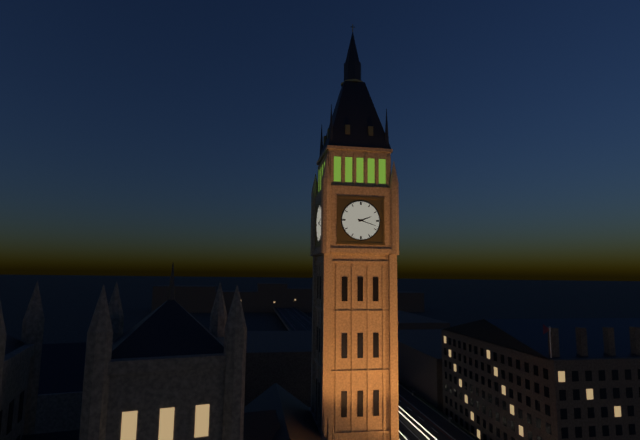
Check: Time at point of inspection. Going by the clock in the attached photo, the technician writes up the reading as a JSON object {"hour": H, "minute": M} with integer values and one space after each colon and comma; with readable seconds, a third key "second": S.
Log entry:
{"hour": 2, "minute": 18}
